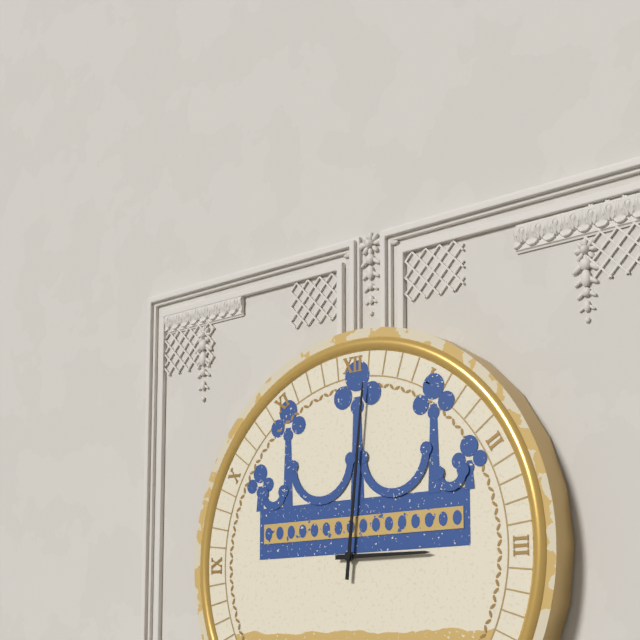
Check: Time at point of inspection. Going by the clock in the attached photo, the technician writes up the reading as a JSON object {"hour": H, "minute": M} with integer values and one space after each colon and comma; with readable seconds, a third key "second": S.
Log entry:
{"hour": 3, "minute": 1}
